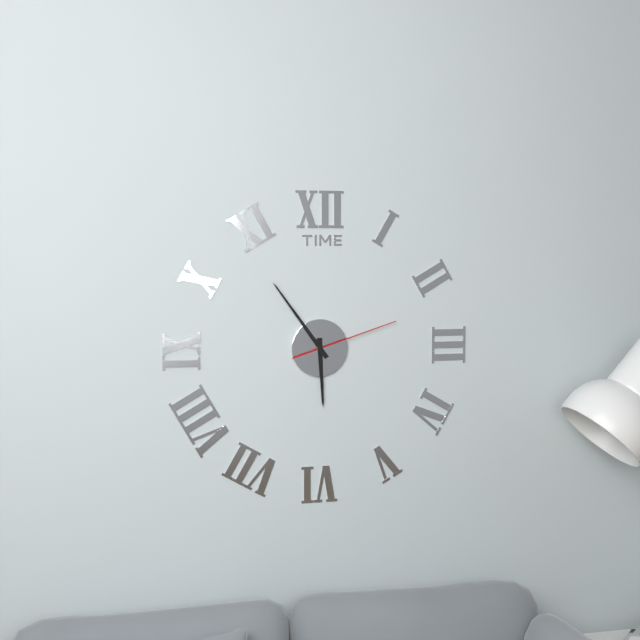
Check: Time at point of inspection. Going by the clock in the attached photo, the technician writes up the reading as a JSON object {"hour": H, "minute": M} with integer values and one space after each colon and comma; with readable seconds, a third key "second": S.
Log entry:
{"hour": 5, "minute": 54, "second": 12}
